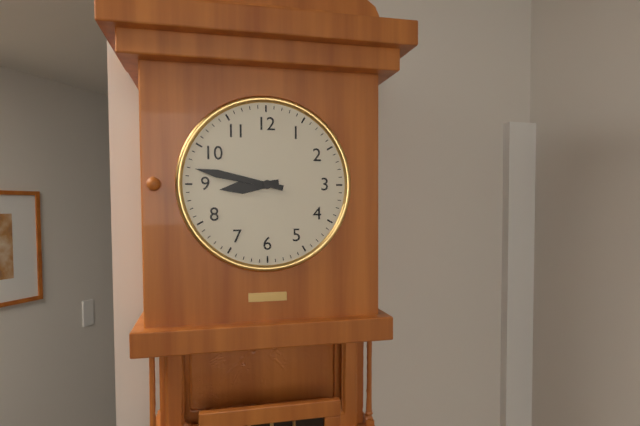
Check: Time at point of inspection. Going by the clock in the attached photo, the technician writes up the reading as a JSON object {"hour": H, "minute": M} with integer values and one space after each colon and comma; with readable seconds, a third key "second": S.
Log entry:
{"hour": 8, "minute": 47}
